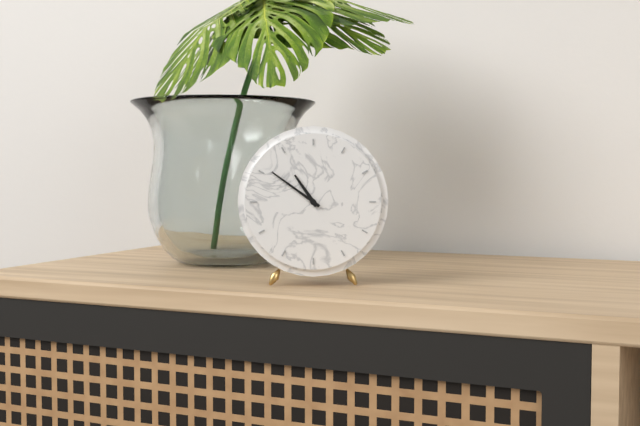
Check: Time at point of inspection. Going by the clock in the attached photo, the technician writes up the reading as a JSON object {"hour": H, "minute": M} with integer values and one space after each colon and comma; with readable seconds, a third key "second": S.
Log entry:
{"hour": 10, "minute": 51}
